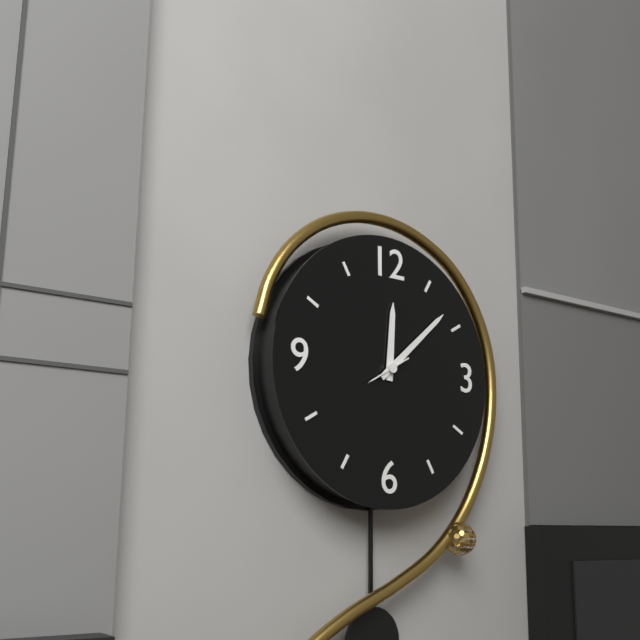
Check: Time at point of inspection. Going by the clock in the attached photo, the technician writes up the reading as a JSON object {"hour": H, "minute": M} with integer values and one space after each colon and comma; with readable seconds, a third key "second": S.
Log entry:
{"hour": 12, "minute": 8}
